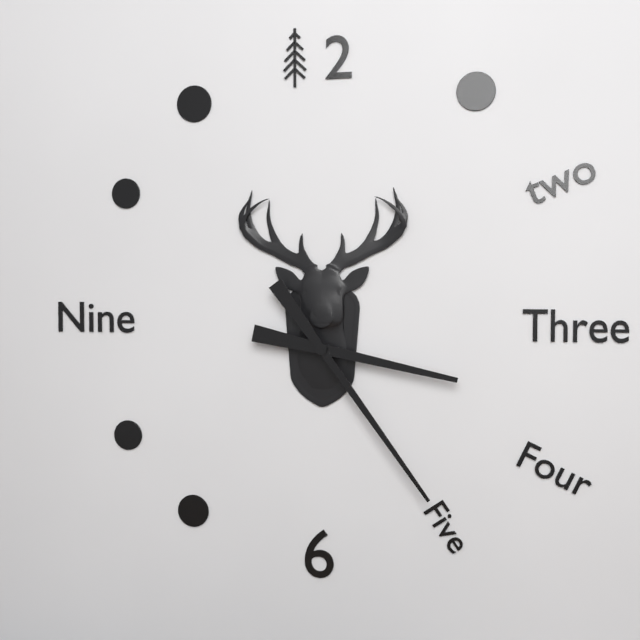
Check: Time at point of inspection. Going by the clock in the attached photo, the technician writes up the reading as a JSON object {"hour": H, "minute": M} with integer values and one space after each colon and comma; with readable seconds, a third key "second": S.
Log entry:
{"hour": 3, "minute": 24}
